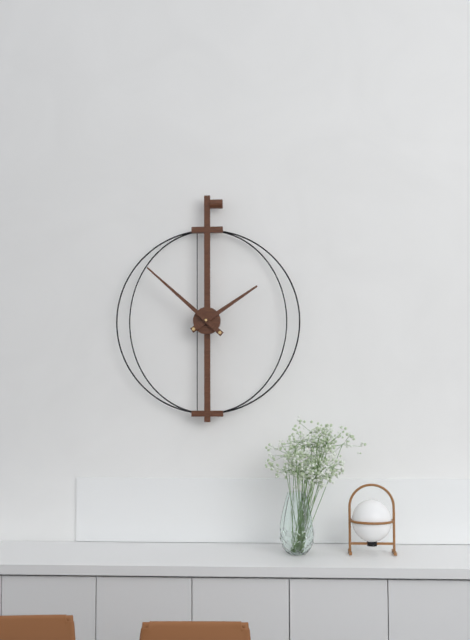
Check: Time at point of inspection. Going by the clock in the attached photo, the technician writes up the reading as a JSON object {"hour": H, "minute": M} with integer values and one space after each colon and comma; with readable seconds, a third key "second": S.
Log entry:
{"hour": 1, "minute": 52}
